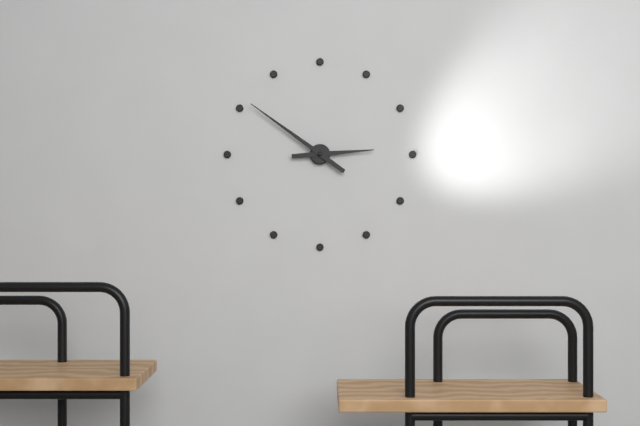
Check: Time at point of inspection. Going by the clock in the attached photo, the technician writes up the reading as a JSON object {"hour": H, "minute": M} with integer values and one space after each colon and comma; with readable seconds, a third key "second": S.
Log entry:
{"hour": 2, "minute": 51}
